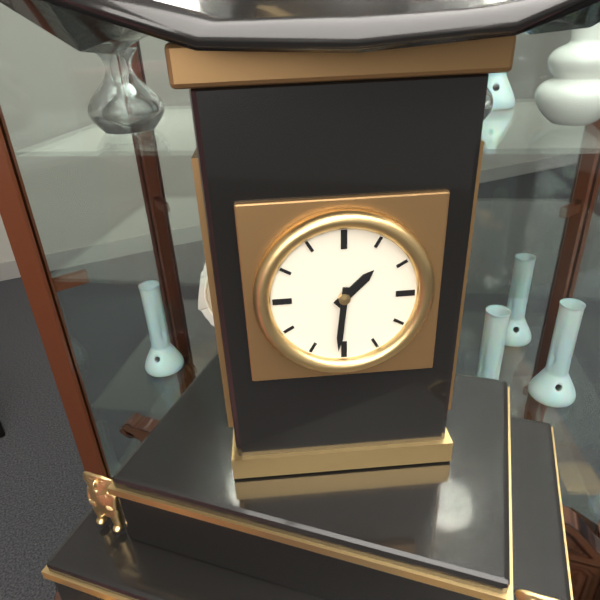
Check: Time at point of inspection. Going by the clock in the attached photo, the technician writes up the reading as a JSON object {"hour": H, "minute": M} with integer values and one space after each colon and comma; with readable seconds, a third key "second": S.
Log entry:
{"hour": 1, "minute": 31}
